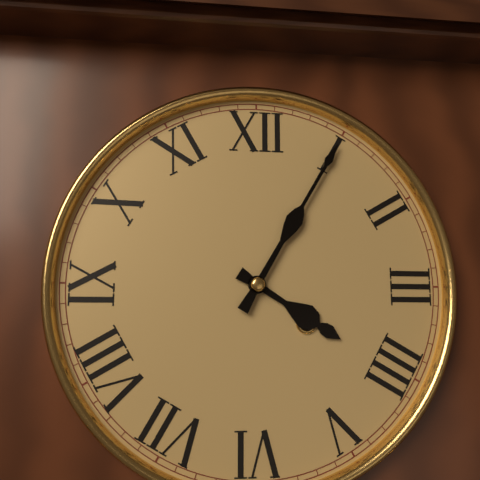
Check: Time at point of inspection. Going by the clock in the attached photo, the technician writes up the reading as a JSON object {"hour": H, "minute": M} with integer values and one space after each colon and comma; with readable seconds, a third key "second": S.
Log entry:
{"hour": 4, "minute": 5}
